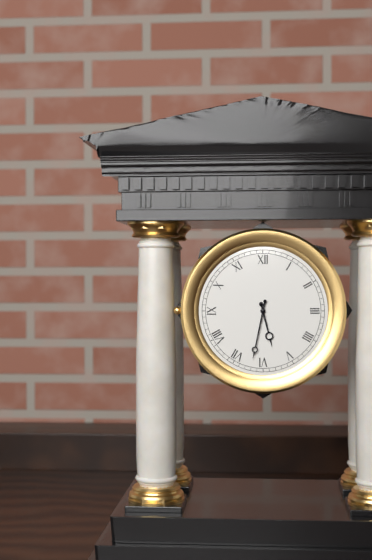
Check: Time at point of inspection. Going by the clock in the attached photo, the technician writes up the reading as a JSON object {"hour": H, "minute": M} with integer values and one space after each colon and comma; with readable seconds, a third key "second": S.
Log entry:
{"hour": 5, "minute": 32}
